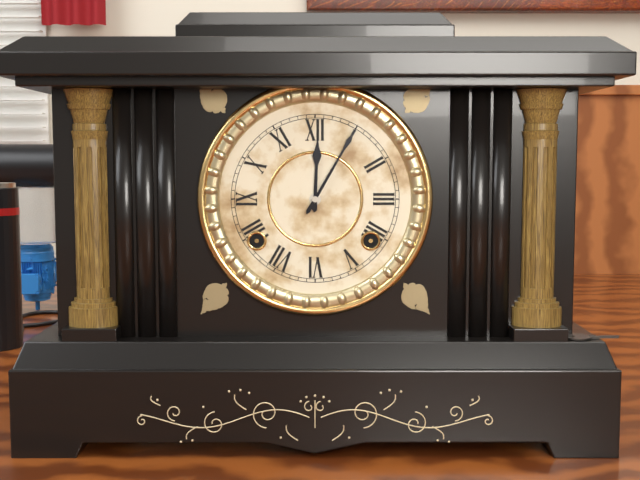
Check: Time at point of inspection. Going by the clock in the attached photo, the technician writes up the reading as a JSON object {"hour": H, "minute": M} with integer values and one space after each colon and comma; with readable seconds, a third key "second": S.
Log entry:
{"hour": 12, "minute": 5}
